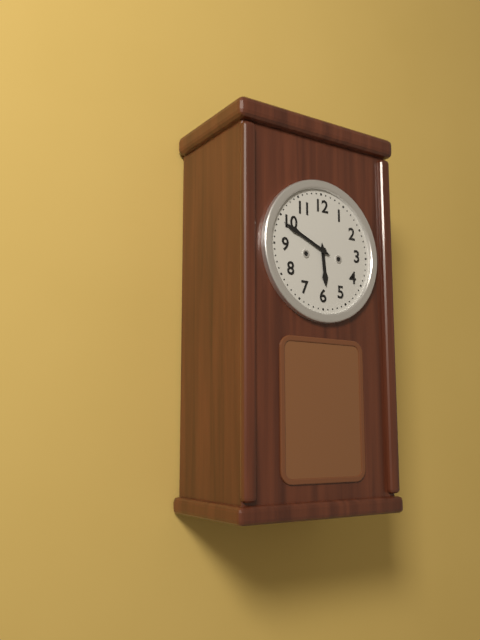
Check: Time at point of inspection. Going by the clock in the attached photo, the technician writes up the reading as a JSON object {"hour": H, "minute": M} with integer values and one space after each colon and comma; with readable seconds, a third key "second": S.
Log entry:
{"hour": 5, "minute": 49}
